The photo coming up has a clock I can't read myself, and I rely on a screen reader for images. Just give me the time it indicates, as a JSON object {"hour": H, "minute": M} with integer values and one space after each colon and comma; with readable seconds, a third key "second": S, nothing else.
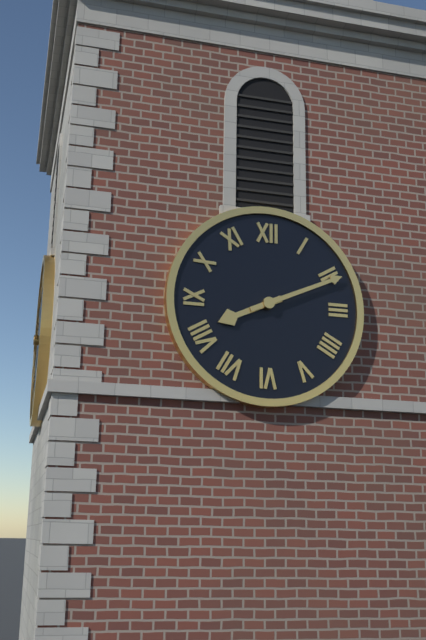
{"hour": 8, "minute": 11}
